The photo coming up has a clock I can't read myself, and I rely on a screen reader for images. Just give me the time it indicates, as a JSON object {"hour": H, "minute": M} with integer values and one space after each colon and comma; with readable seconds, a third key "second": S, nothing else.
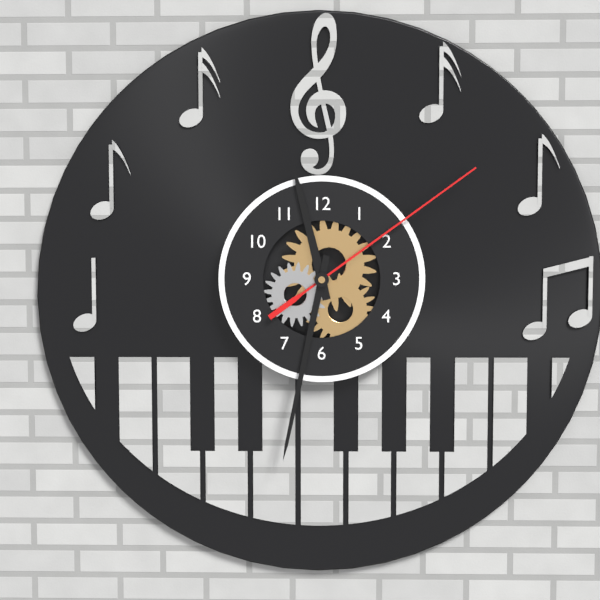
{"hour": 11, "minute": 32, "second": 9}
